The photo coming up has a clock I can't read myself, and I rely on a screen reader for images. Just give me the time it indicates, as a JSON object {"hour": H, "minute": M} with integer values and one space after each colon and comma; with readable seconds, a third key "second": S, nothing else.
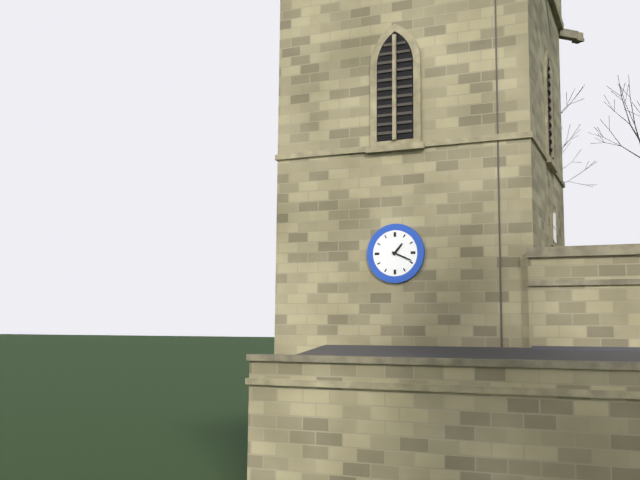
{"hour": 1, "minute": 19}
